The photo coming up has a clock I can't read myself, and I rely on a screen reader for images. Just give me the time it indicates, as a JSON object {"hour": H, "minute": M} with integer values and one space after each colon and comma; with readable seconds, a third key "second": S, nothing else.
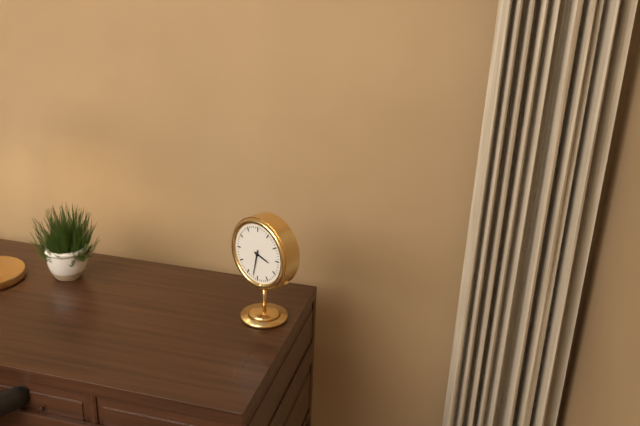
{"hour": 3, "minute": 32}
